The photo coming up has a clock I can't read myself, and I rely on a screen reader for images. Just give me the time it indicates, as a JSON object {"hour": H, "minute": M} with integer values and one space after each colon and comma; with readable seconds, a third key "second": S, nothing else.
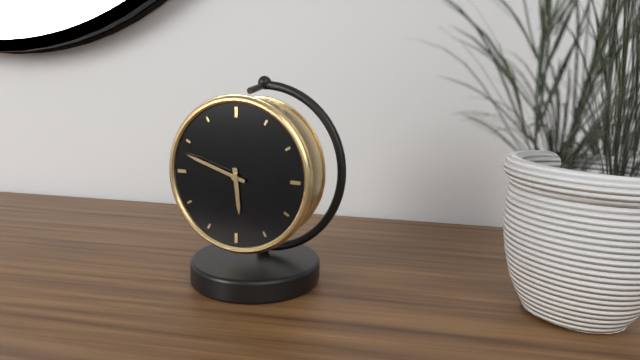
{"hour": 5, "minute": 48}
